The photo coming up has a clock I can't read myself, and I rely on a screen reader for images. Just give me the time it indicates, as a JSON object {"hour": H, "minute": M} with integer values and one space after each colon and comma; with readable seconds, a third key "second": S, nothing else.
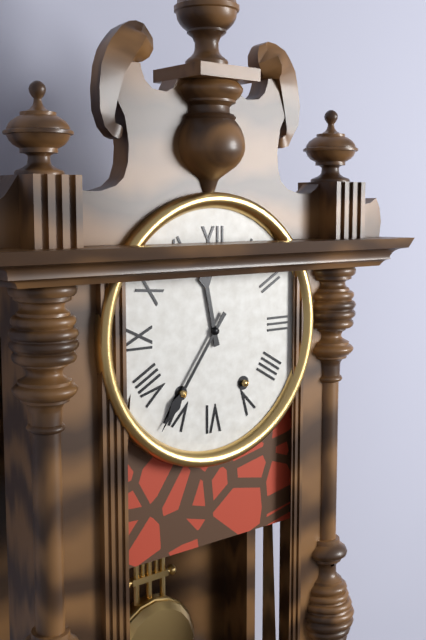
{"hour": 11, "minute": 36}
